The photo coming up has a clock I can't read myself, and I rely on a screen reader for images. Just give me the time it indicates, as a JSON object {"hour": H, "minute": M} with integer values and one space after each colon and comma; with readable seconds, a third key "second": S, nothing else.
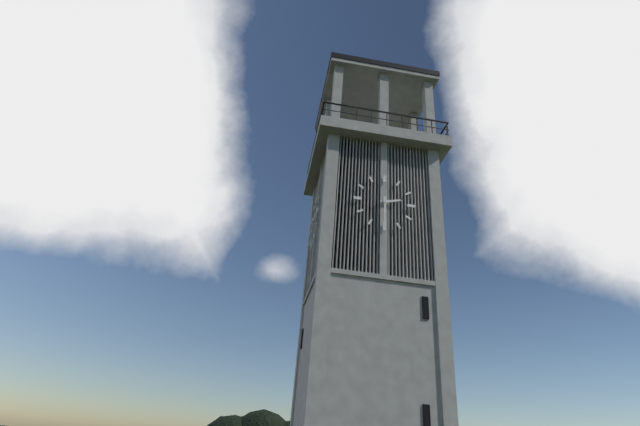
{"hour": 2, "minute": 30}
